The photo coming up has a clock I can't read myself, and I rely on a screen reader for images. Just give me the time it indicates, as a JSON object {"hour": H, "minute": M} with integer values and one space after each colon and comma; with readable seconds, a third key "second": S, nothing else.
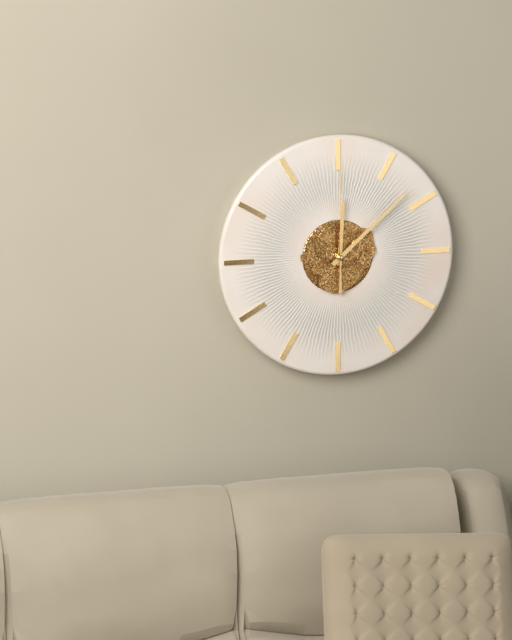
{"hour": 12, "minute": 8, "second": 0}
